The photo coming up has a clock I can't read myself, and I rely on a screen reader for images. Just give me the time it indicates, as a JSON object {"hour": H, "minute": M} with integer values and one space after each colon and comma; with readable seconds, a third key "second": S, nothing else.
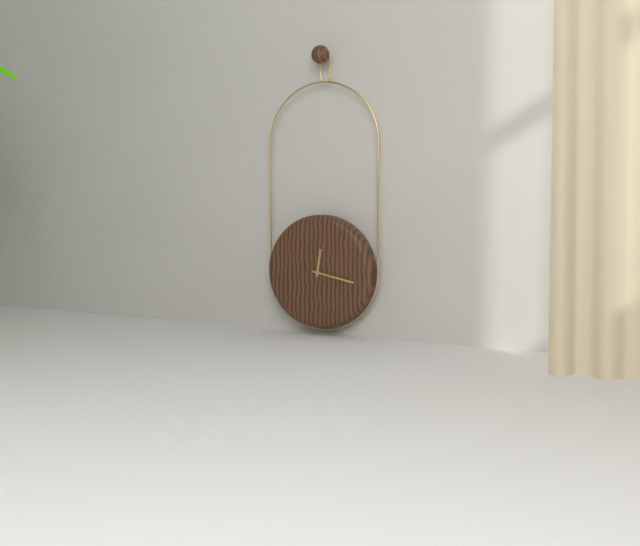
{"hour": 12, "minute": 17}
